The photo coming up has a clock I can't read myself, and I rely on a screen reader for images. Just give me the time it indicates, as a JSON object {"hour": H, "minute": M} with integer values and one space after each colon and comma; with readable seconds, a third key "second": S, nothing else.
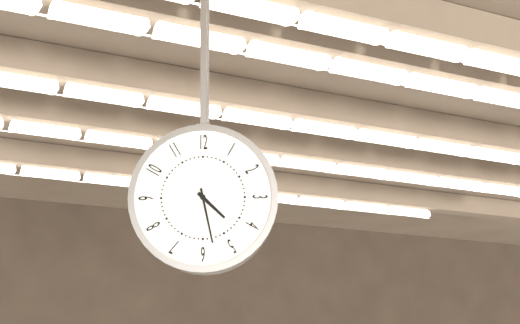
{"hour": 4, "minute": 28}
